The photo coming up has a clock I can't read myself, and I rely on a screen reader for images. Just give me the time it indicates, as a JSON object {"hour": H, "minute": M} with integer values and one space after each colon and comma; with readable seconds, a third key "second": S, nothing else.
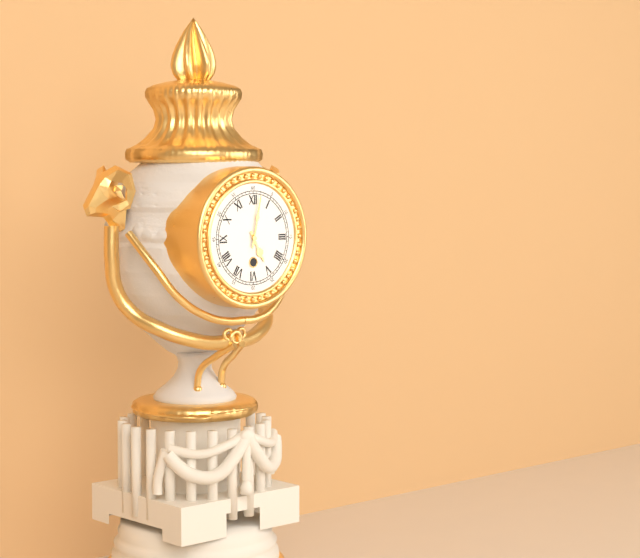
{"hour": 5, "minute": 2}
